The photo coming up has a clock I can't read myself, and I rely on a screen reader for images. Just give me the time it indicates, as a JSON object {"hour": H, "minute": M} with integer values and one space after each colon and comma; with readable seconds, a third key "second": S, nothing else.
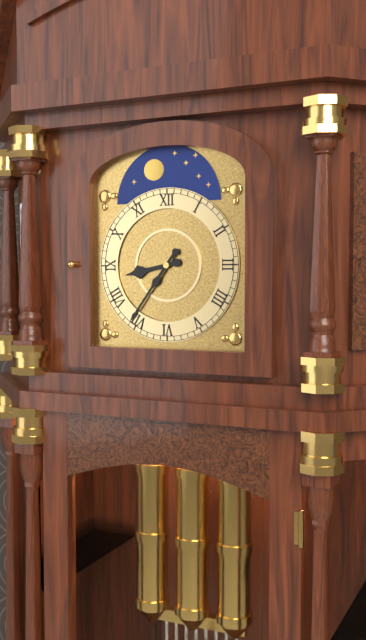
{"hour": 8, "minute": 36}
